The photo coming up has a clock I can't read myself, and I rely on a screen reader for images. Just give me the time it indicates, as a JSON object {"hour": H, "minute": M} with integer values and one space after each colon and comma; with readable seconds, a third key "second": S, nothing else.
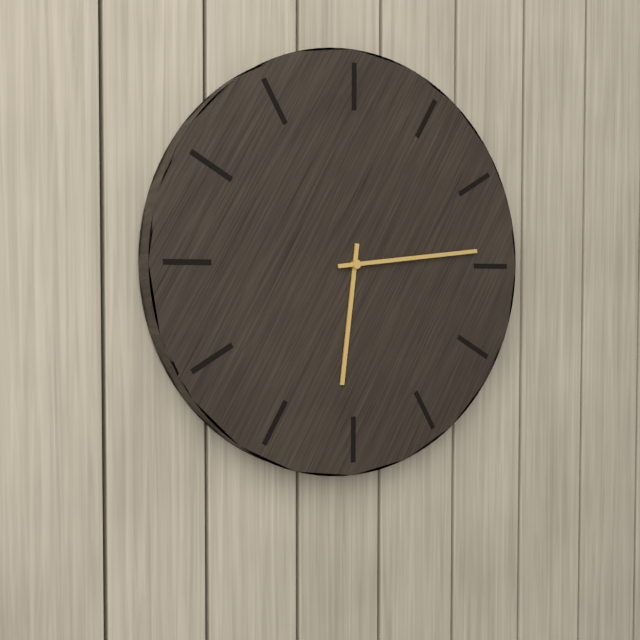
{"hour": 6, "minute": 14}
